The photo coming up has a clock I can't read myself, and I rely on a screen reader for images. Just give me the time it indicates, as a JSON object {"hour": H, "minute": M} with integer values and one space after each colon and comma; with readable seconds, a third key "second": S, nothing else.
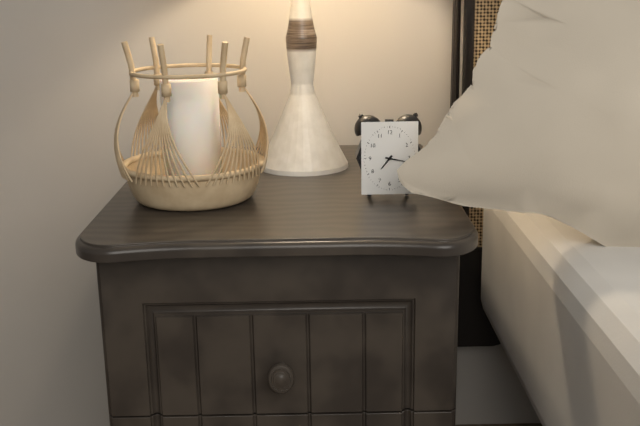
{"hour": 7, "minute": 17}
